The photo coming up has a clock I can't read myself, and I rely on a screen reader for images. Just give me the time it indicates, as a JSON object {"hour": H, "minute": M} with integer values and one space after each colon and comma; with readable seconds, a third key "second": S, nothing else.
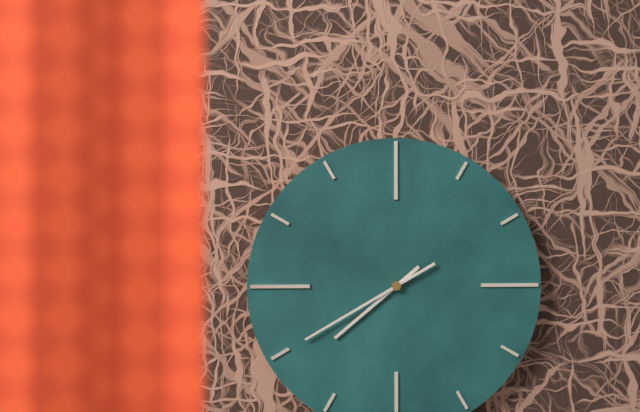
{"hour": 7, "minute": 40}
